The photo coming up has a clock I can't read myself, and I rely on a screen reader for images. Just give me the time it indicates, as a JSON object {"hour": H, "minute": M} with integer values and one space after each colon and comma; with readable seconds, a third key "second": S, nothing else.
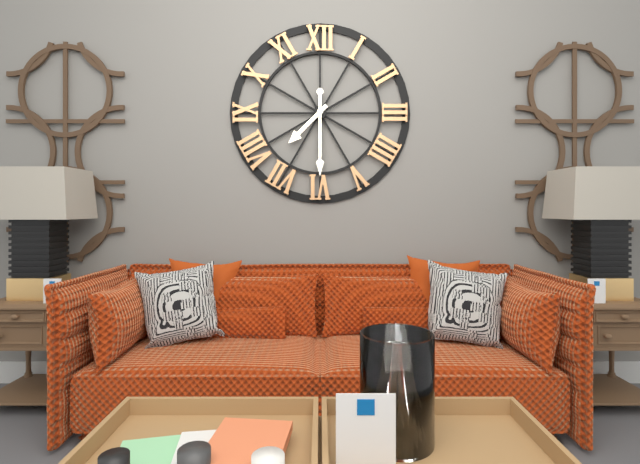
{"hour": 7, "minute": 30}
